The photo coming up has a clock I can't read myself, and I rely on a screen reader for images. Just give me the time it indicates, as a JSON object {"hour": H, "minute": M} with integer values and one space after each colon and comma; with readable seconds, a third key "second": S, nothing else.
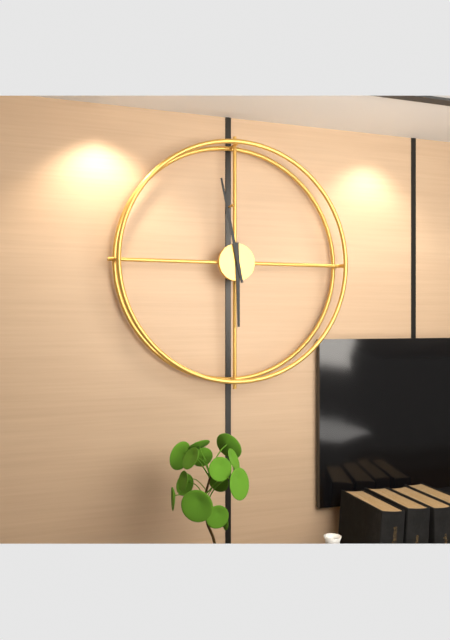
{"hour": 5, "minute": 58}
